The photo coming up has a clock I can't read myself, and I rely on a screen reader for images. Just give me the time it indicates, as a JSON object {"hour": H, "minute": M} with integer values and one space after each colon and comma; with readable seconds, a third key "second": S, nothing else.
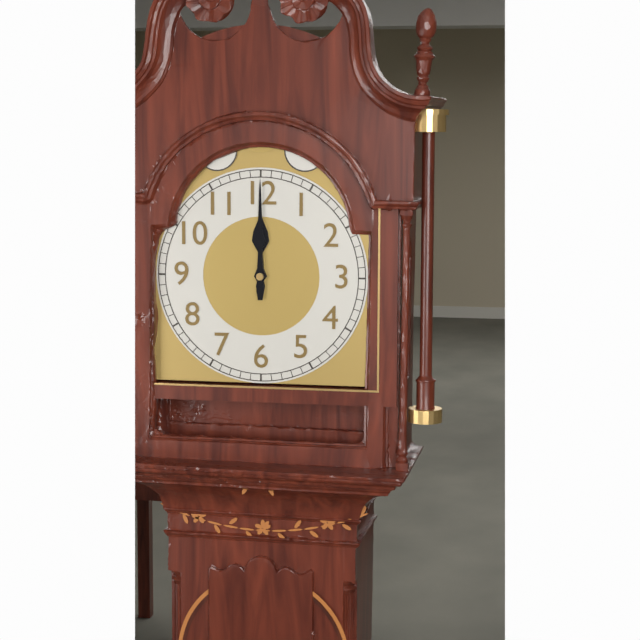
{"hour": 12, "minute": 0}
